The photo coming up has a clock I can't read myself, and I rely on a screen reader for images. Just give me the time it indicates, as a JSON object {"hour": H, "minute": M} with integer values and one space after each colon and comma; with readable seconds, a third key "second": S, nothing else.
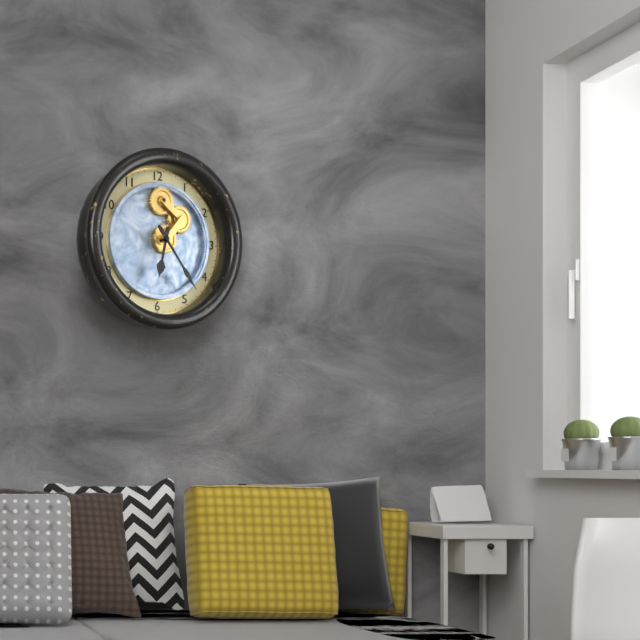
{"hour": 6, "minute": 24}
